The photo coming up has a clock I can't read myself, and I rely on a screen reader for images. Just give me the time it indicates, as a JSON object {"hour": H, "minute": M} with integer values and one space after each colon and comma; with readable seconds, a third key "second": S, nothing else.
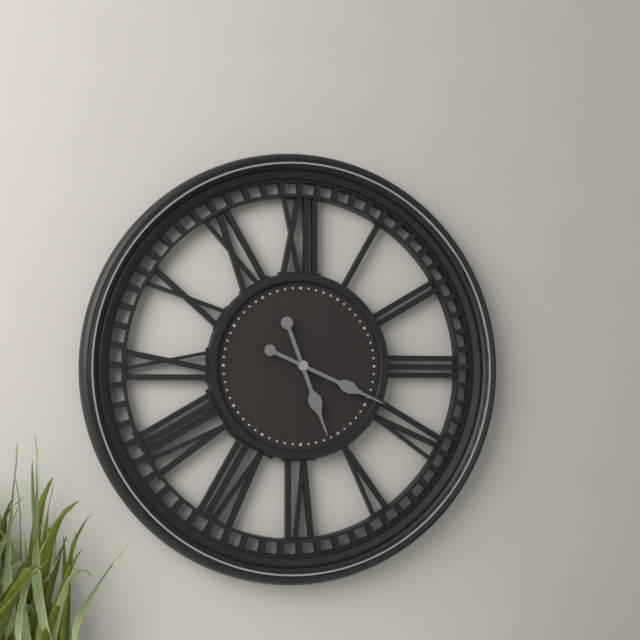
{"hour": 5, "minute": 19}
